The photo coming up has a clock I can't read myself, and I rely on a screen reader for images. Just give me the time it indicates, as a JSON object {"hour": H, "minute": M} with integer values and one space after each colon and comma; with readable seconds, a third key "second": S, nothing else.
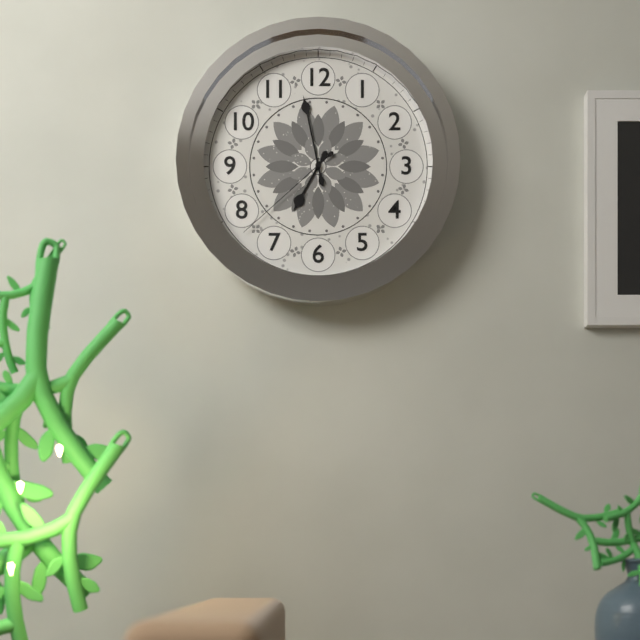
{"hour": 6, "minute": 58, "second": 38}
